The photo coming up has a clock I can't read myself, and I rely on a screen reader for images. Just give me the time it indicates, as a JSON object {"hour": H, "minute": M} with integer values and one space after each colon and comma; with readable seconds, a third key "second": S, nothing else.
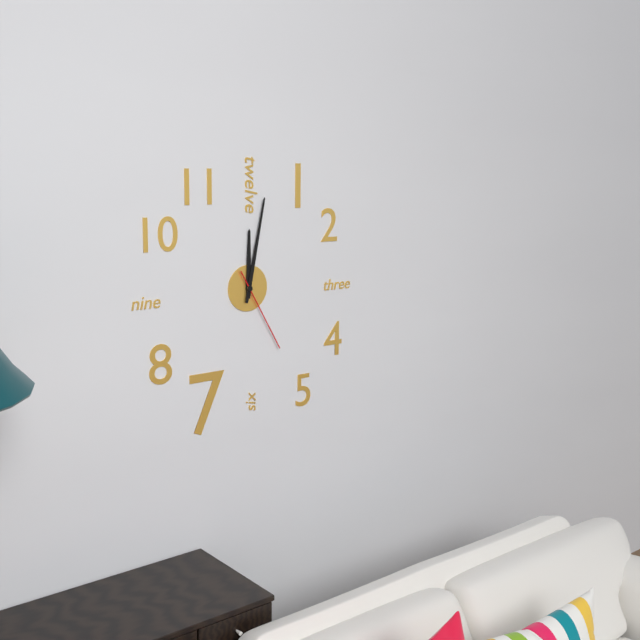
{"hour": 12, "minute": 2, "second": 25}
